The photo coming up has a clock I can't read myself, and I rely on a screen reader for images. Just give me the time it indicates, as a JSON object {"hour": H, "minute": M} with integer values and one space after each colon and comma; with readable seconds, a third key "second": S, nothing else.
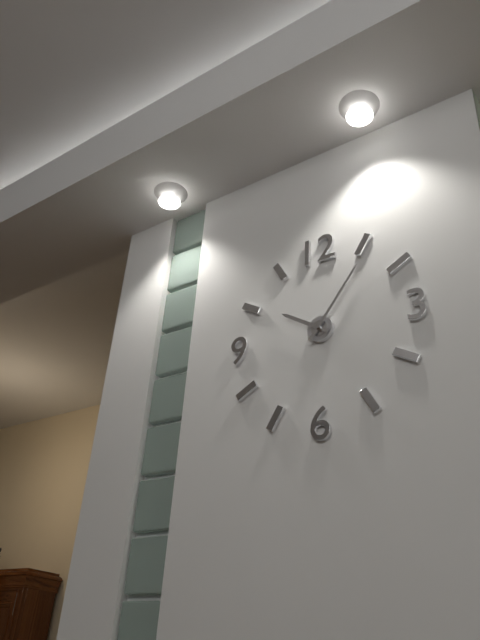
{"hour": 10, "minute": 6}
